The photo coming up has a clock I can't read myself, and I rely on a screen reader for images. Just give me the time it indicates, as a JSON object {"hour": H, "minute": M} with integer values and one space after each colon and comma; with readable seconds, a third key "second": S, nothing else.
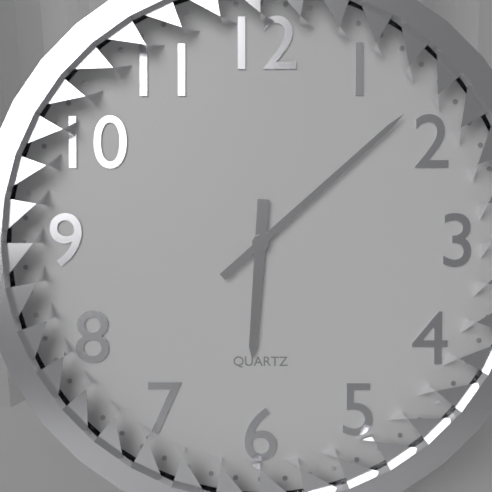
{"hour": 6, "minute": 8}
